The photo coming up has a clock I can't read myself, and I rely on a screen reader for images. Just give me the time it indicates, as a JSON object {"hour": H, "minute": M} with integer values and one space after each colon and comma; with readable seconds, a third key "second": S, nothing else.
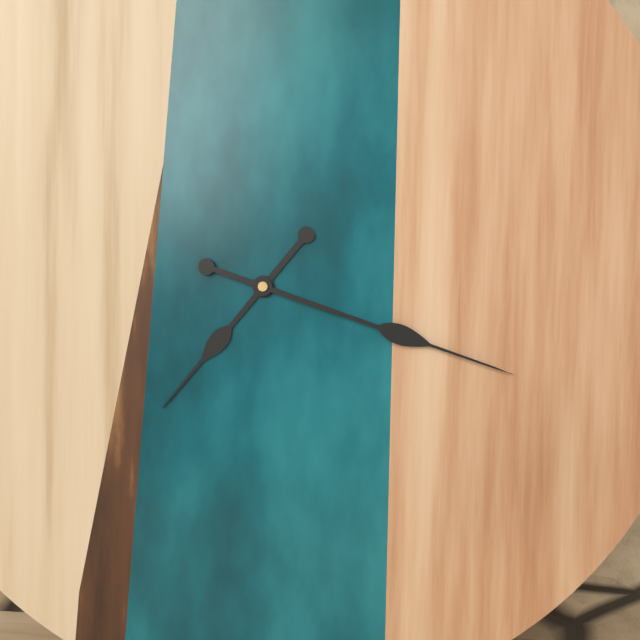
{"hour": 7, "minute": 18}
